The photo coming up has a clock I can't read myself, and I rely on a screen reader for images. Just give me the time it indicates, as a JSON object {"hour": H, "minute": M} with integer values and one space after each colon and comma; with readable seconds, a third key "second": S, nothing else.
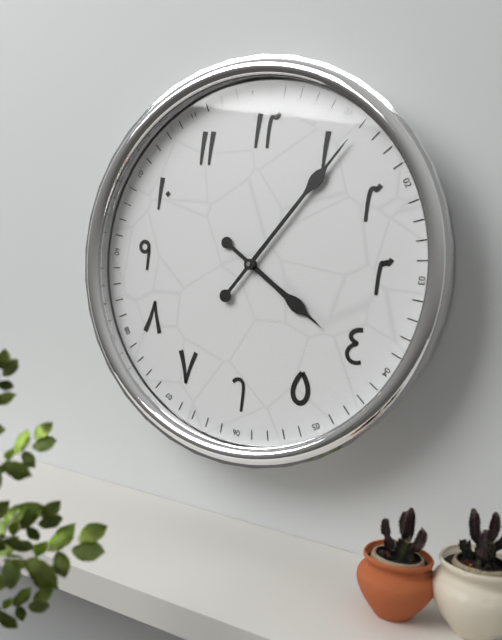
{"hour": 4, "minute": 6}
